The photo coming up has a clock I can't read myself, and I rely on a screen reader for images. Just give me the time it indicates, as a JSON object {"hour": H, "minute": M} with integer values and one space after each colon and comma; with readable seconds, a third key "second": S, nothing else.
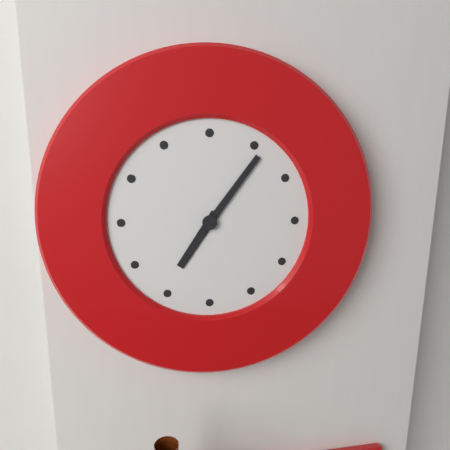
{"hour": 7, "minute": 6}
